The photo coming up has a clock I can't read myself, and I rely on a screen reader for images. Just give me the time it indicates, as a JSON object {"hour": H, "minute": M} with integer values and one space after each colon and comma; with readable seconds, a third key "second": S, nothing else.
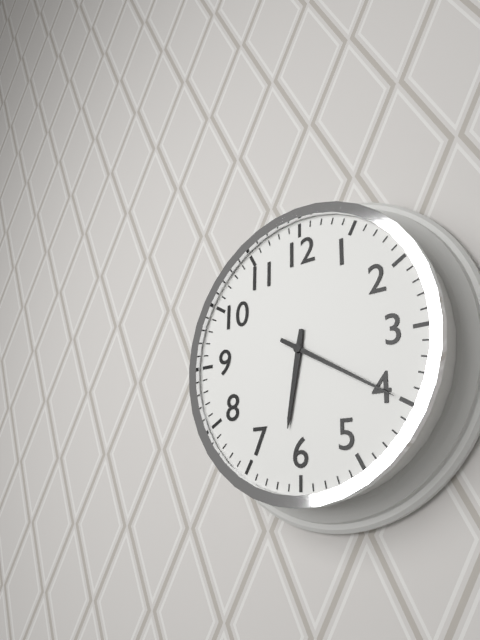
{"hour": 6, "minute": 20}
